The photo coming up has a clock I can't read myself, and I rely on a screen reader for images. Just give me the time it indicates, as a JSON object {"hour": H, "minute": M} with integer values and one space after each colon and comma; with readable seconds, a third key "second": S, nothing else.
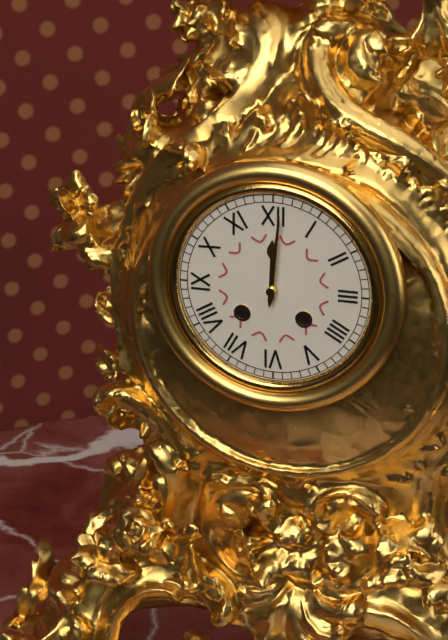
{"hour": 12, "minute": 1}
